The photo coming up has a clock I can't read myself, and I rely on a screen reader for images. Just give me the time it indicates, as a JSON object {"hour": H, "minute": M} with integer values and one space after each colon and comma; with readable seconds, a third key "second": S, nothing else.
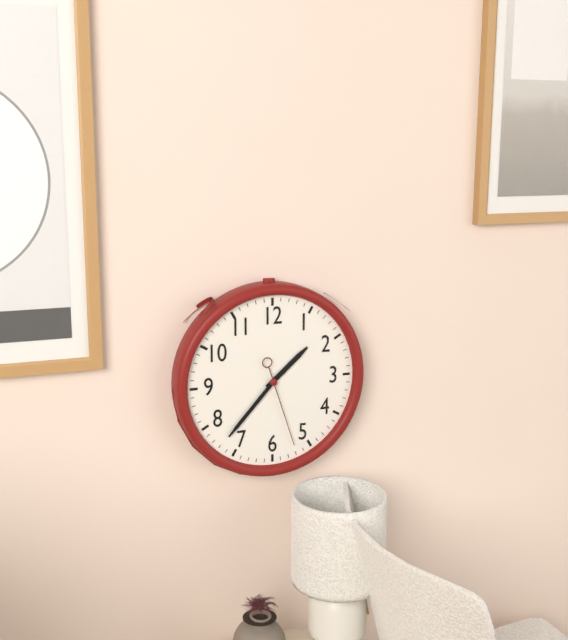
{"hour": 1, "minute": 37, "second": 27}
